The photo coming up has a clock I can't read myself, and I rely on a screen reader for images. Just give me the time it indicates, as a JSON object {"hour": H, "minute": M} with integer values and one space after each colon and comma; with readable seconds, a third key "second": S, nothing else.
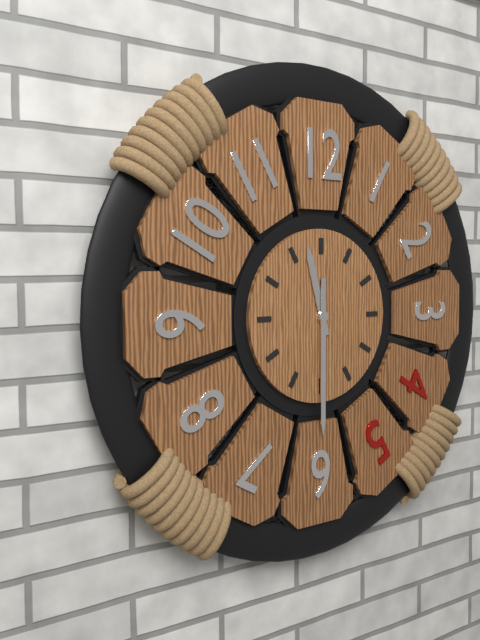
{"hour": 11, "minute": 30}
